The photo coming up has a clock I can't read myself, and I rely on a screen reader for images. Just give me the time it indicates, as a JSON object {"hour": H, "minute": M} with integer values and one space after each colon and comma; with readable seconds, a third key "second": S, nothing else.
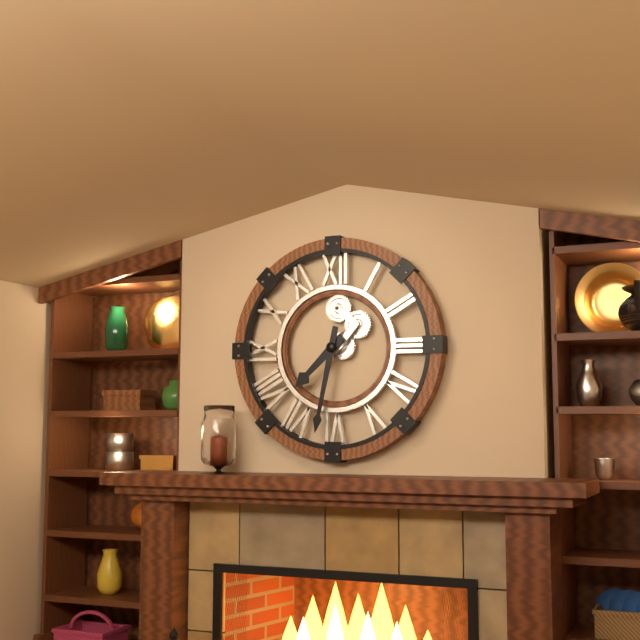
{"hour": 7, "minute": 32}
